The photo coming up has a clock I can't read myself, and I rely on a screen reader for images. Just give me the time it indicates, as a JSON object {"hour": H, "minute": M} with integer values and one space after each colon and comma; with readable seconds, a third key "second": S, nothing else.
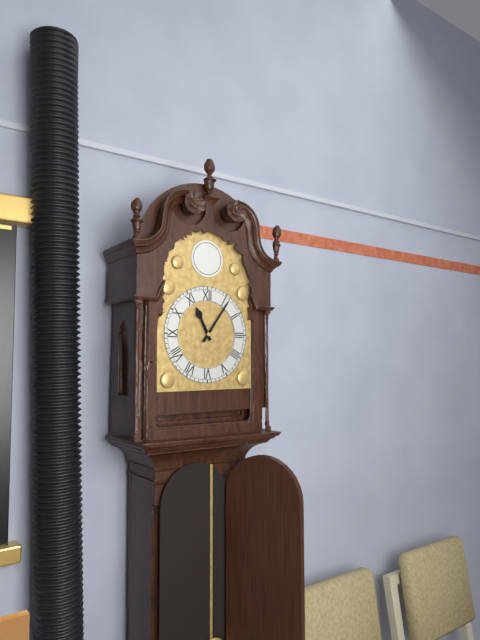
{"hour": 11, "minute": 6}
